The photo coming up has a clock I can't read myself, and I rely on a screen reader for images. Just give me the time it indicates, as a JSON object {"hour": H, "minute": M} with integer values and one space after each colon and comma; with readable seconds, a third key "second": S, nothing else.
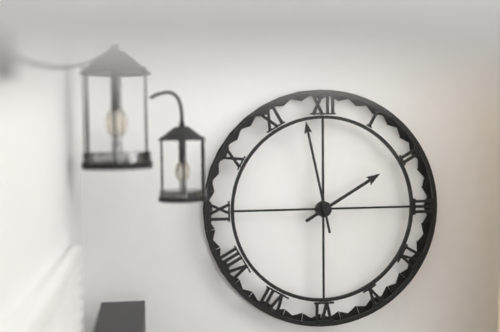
{"hour": 1, "minute": 58}
